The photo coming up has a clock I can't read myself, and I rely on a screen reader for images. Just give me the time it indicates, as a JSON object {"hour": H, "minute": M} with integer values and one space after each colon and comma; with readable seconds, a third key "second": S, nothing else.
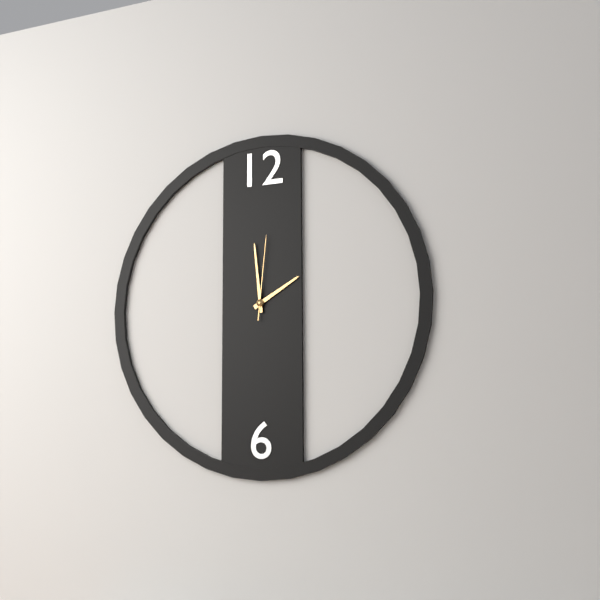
{"hour": 1, "minute": 59, "second": 1}
